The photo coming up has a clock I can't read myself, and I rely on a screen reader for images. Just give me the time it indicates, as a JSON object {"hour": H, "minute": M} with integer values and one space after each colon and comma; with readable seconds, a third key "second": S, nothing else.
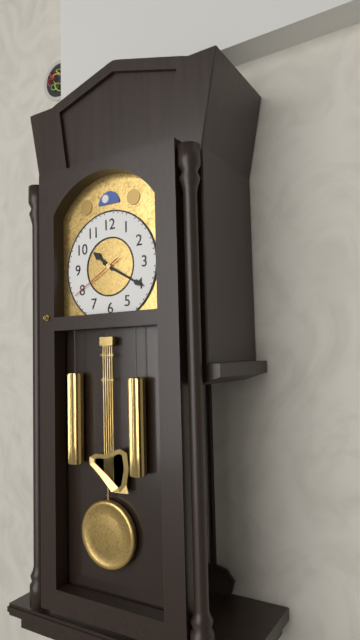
{"hour": 10, "minute": 20, "second": 40}
